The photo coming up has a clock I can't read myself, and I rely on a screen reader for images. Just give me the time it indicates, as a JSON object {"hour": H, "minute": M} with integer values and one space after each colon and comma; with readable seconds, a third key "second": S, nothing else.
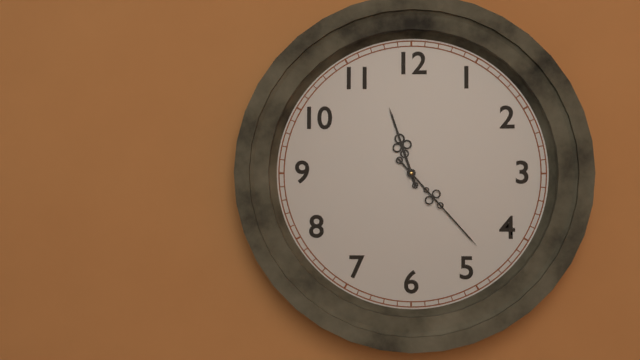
{"hour": 11, "minute": 23}
